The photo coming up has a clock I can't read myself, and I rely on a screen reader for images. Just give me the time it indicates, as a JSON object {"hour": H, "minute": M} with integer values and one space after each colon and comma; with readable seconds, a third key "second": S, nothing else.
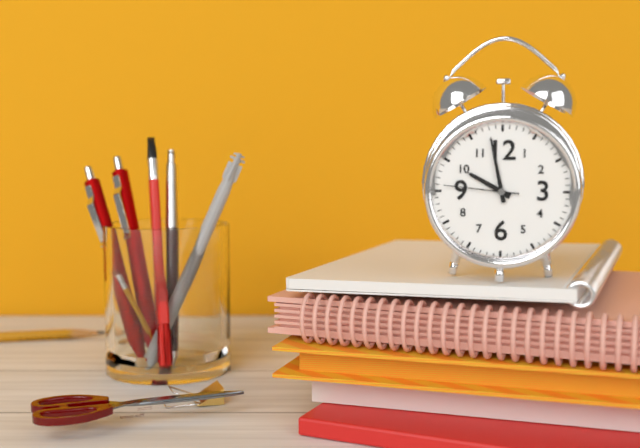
{"hour": 9, "minute": 58, "second": 46}
